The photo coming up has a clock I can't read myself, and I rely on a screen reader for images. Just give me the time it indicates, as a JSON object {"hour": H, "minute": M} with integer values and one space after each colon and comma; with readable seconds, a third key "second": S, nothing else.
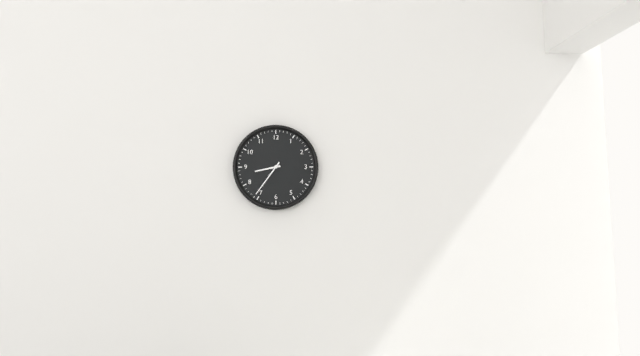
{"hour": 8, "minute": 36}
